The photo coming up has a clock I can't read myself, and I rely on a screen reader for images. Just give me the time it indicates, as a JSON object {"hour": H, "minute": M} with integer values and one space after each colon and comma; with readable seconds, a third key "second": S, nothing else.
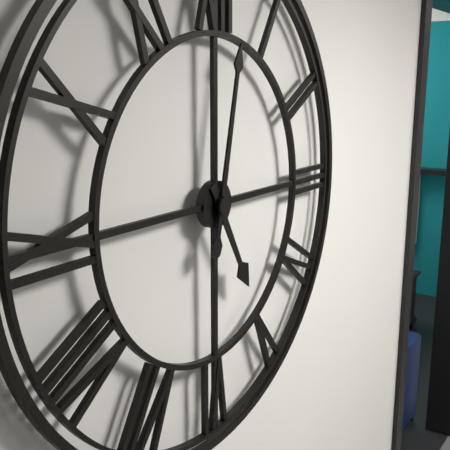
{"hour": 5, "minute": 2}
